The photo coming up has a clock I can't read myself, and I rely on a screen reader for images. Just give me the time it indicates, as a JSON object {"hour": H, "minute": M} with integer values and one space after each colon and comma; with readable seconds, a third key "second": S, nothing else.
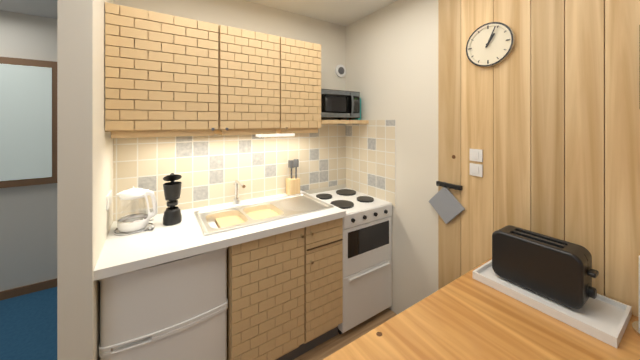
{"hour": 1, "minute": 4}
